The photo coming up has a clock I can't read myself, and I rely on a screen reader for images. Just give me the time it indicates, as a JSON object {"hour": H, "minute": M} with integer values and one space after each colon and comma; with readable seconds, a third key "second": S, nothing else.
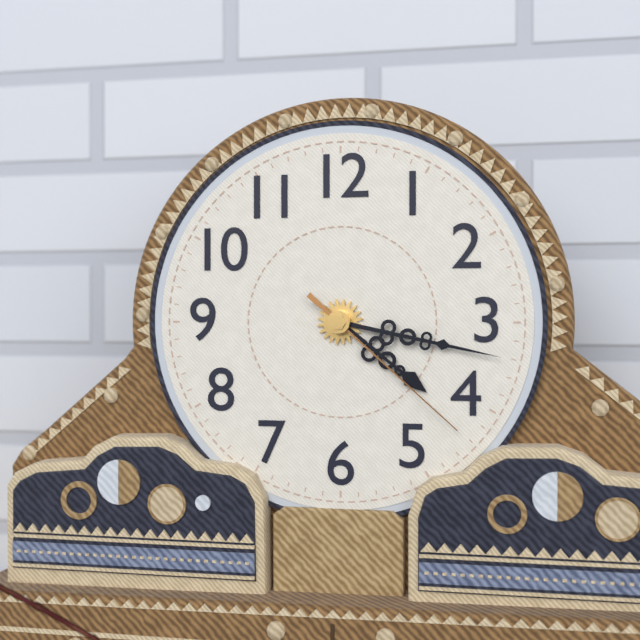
{"hour": 4, "minute": 17, "second": 22}
